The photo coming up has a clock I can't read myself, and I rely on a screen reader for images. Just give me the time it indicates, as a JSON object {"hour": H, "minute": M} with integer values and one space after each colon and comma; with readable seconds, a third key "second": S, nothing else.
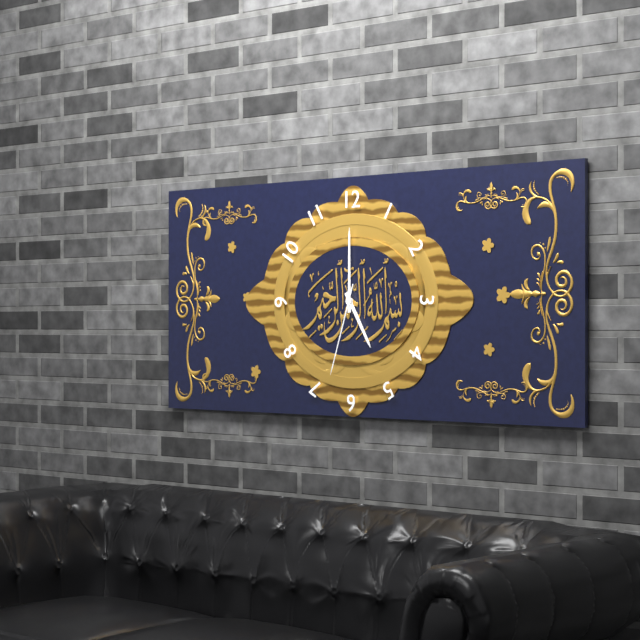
{"hour": 5, "minute": 0, "second": 33}
